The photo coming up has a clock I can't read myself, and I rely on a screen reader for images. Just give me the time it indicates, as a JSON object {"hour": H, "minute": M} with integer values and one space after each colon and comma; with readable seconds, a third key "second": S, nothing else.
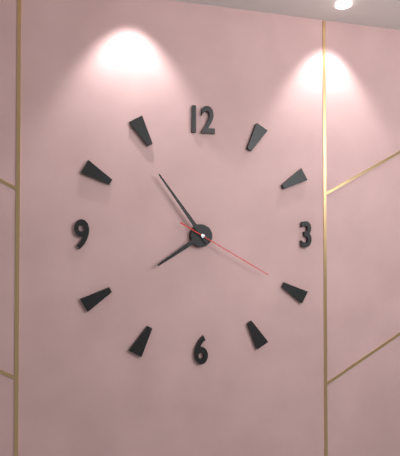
{"hour": 7, "minute": 54, "second": 20}
